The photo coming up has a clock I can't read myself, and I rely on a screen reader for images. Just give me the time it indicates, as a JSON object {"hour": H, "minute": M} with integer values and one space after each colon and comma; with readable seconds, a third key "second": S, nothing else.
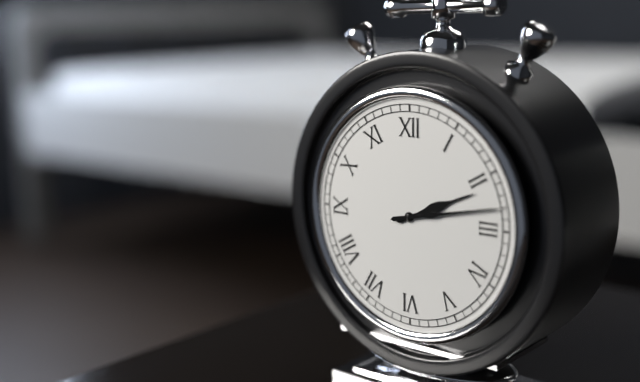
{"hour": 2, "minute": 13}
